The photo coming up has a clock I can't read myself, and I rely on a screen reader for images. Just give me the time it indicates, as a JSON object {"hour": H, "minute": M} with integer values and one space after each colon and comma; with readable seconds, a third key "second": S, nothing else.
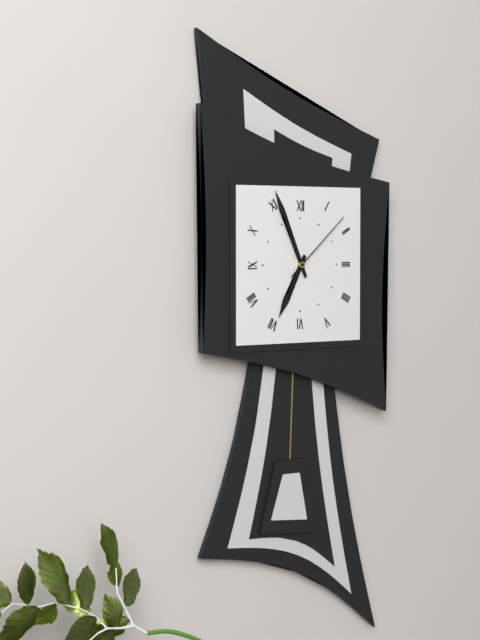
{"hour": 6, "minute": 56, "second": 8}
